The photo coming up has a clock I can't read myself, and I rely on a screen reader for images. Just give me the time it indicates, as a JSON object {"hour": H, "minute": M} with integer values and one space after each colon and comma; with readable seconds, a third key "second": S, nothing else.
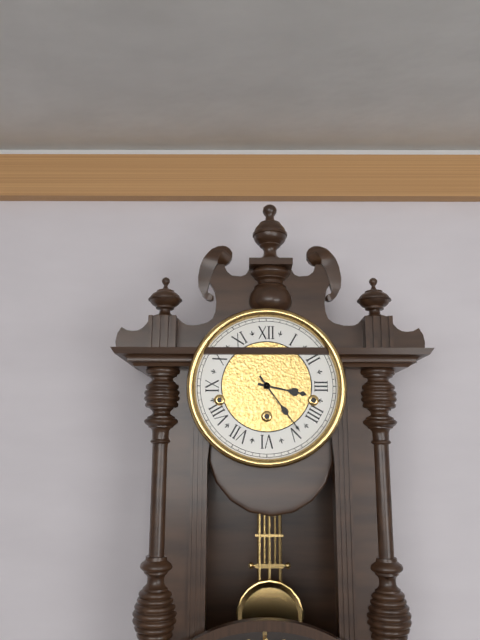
{"hour": 3, "minute": 24}
